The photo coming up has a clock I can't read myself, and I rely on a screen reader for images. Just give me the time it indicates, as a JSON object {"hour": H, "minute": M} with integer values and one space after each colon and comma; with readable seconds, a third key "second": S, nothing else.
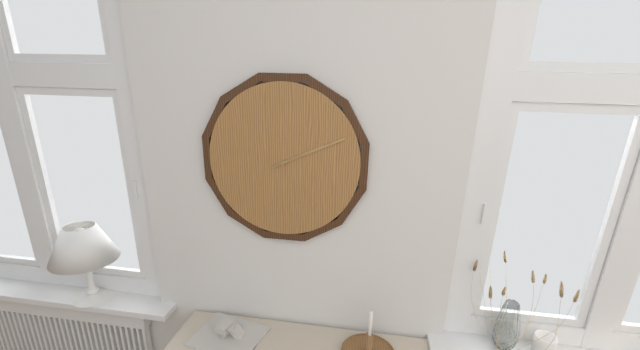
{"hour": 2, "minute": 11}
